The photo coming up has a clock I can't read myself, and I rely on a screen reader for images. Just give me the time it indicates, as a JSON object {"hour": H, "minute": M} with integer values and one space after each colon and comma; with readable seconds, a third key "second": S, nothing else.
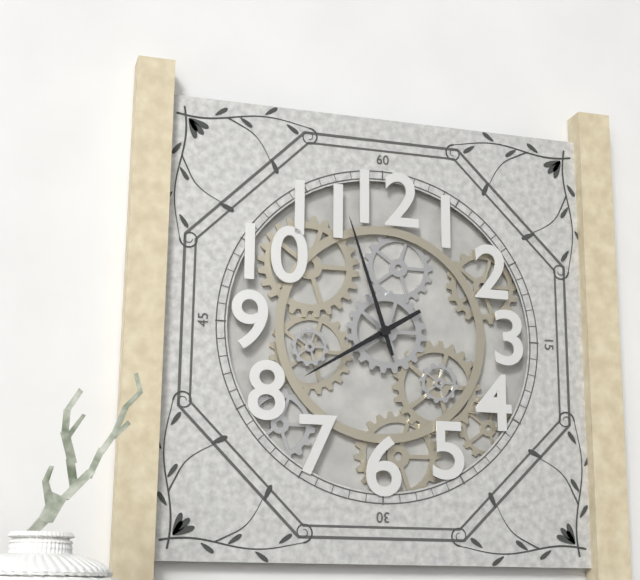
{"hour": 7, "minute": 57}
